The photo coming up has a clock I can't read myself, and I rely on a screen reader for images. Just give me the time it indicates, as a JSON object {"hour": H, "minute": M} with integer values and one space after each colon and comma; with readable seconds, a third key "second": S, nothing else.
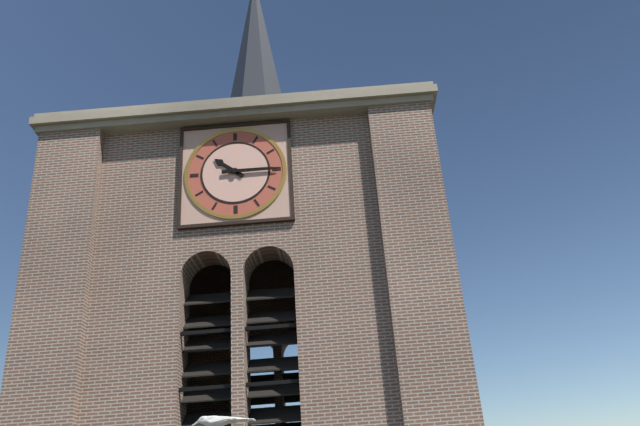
{"hour": 10, "minute": 15}
